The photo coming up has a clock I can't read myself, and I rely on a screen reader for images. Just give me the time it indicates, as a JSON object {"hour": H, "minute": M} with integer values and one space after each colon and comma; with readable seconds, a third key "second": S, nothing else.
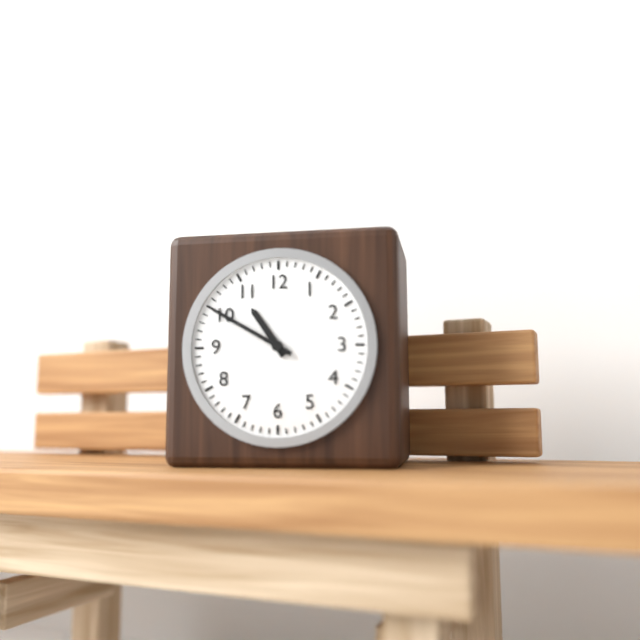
{"hour": 10, "minute": 50}
